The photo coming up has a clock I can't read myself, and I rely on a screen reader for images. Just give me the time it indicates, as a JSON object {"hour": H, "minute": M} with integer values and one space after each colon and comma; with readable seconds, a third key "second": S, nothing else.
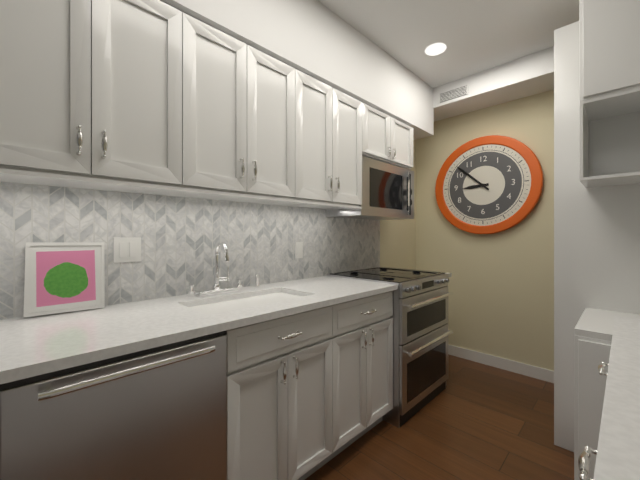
{"hour": 8, "minute": 52}
